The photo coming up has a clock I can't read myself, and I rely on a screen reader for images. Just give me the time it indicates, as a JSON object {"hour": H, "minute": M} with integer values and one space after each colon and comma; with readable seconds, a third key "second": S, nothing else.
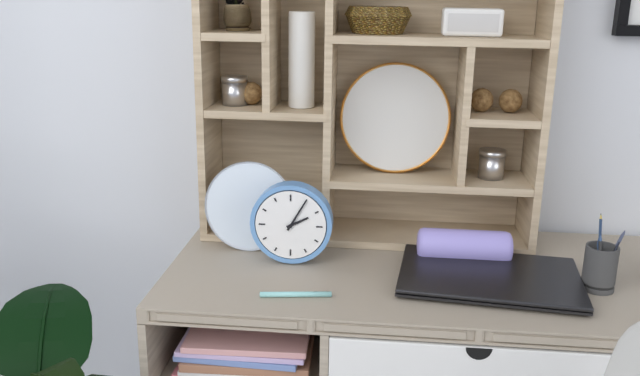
{"hour": 2, "minute": 5}
